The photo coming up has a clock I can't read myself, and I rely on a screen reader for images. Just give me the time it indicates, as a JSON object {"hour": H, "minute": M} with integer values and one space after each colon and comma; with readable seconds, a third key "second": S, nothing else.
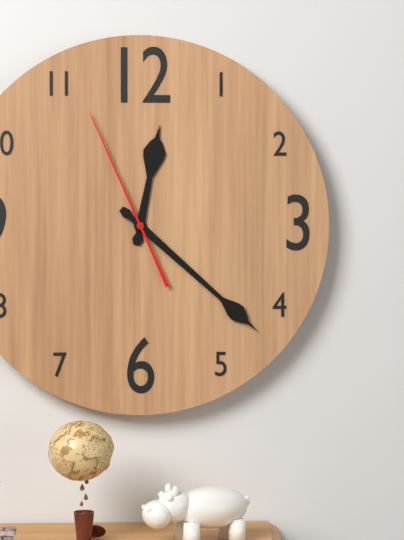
{"hour": 12, "minute": 22, "second": 56}
